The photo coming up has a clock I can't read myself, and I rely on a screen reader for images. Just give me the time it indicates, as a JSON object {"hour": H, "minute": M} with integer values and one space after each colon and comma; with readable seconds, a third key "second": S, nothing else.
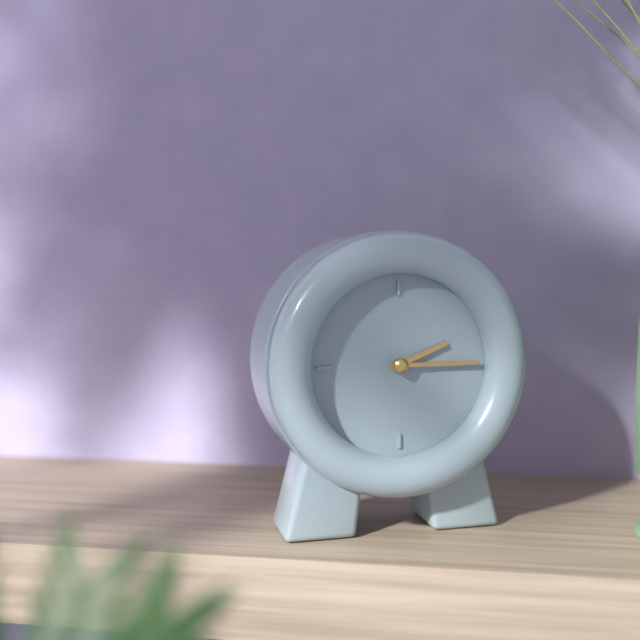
{"hour": 2, "minute": 15}
